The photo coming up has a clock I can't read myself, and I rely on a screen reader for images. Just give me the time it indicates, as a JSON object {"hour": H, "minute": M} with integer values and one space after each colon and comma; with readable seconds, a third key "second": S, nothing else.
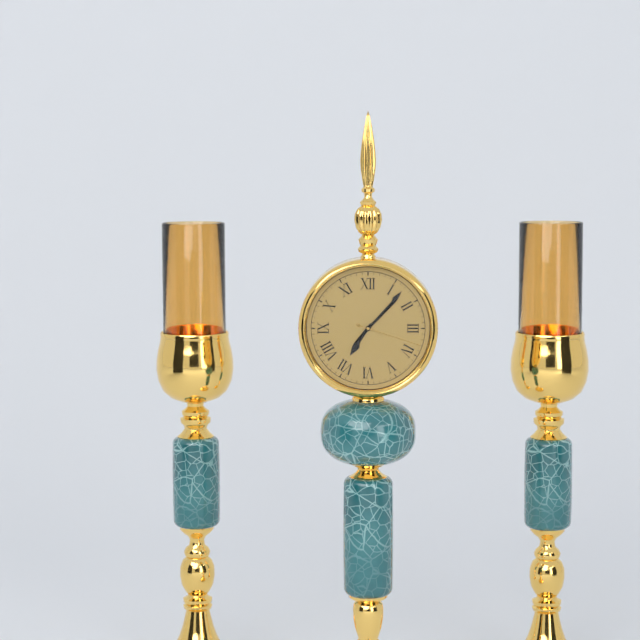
{"hour": 7, "minute": 7, "second": 18}
